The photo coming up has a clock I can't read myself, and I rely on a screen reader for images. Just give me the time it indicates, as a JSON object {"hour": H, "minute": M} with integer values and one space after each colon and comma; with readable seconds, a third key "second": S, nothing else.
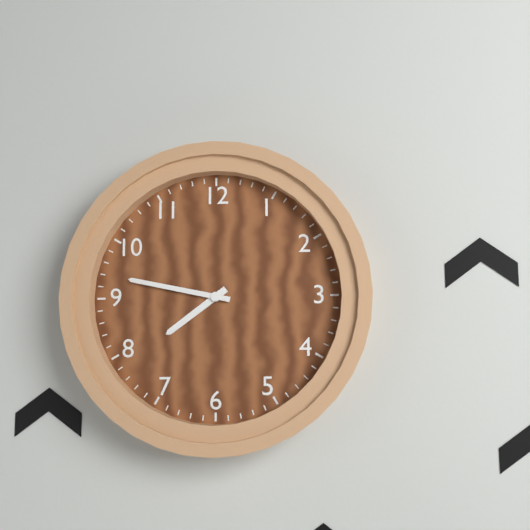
{"hour": 7, "minute": 47}
